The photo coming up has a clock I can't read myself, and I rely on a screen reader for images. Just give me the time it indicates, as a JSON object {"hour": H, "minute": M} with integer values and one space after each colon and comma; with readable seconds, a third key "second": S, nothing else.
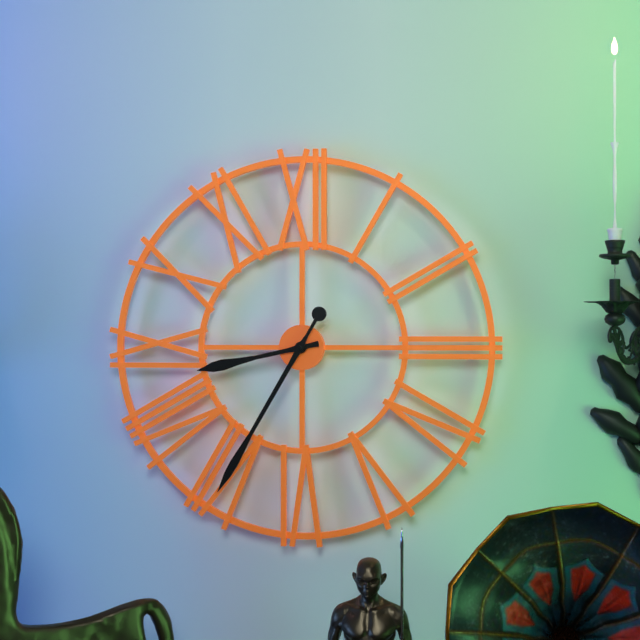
{"hour": 8, "minute": 35}
